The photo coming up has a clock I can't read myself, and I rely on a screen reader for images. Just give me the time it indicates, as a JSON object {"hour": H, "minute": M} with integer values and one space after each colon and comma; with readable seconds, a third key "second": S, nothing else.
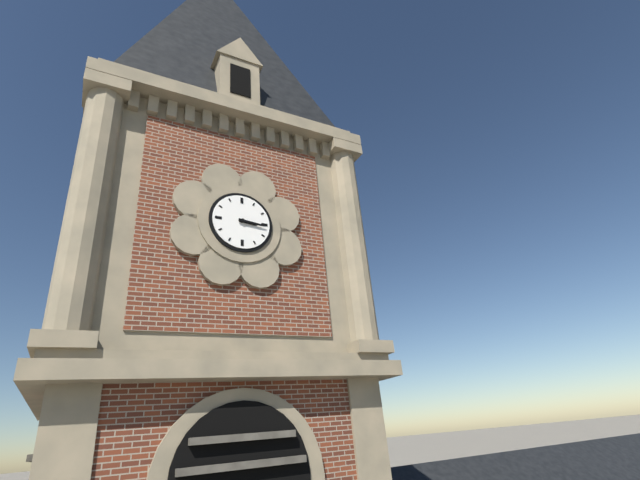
{"hour": 3, "minute": 16}
